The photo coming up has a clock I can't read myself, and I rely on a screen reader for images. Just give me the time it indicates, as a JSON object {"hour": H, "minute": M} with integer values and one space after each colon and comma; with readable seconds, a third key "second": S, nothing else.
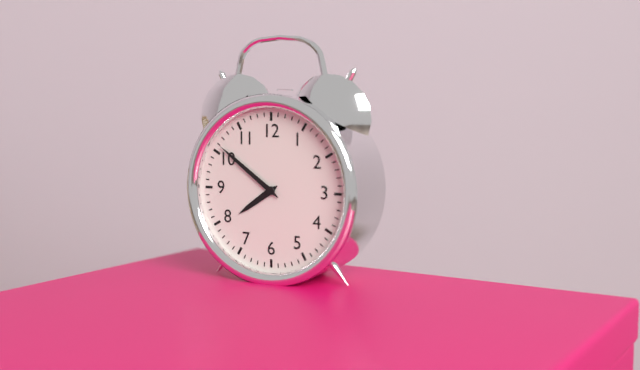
{"hour": 7, "minute": 51}
